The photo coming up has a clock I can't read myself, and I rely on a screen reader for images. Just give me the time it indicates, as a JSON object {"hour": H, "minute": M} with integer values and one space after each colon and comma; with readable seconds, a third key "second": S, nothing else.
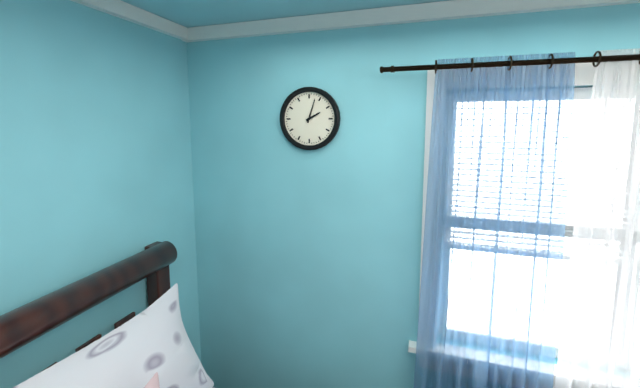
{"hour": 2, "minute": 3}
